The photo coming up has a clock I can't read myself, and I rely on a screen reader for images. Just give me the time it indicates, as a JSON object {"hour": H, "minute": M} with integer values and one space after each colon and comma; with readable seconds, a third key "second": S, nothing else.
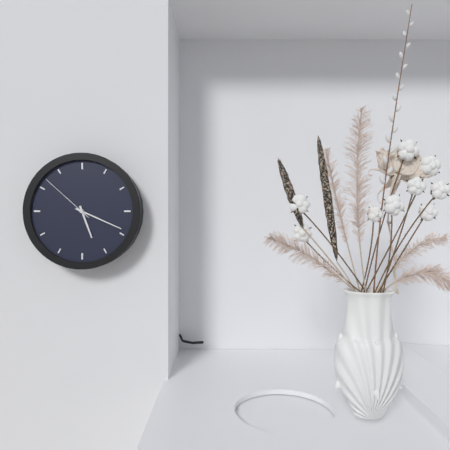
{"hour": 5, "minute": 19, "second": 52}
